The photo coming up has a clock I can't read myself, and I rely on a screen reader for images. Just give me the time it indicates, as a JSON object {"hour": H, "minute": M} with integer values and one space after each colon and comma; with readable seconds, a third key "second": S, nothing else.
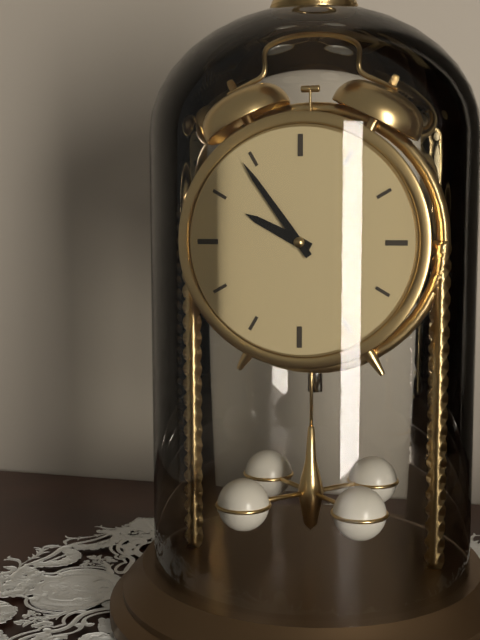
{"hour": 9, "minute": 54}
